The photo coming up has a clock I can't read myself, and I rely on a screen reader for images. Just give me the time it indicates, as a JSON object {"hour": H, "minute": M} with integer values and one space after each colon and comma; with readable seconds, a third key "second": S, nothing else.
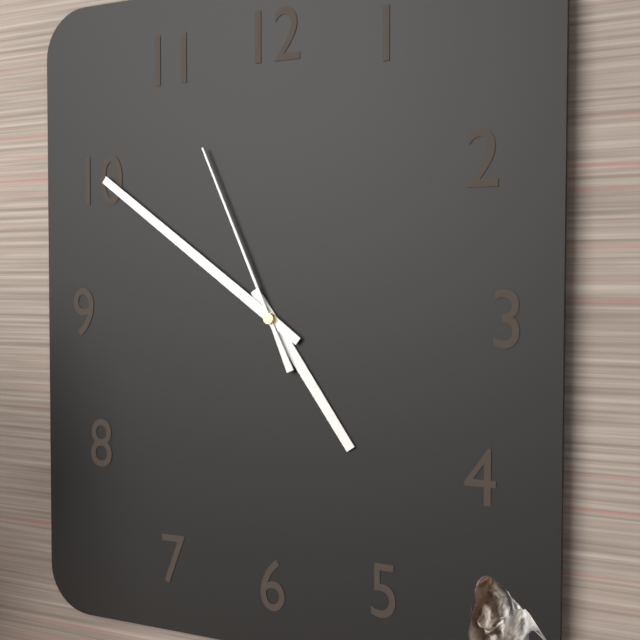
{"hour": 4, "minute": 51, "second": 56}
